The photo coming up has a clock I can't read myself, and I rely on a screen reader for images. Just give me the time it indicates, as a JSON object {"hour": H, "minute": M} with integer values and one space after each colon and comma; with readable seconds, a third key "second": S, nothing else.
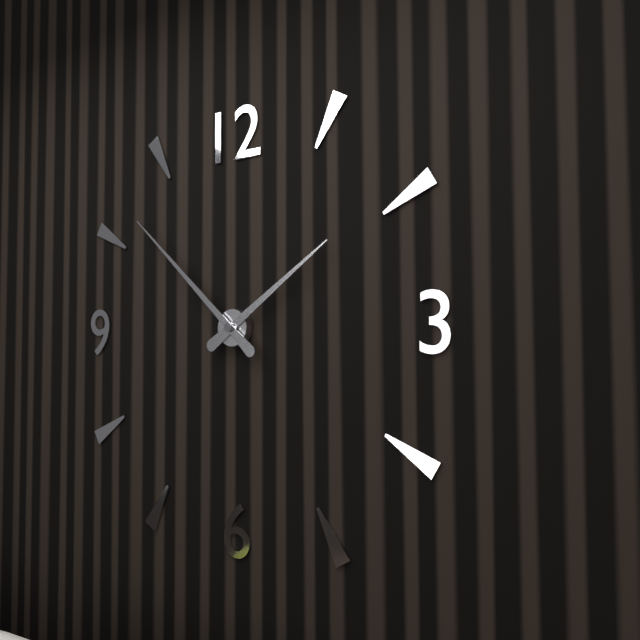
{"hour": 1, "minute": 52}
